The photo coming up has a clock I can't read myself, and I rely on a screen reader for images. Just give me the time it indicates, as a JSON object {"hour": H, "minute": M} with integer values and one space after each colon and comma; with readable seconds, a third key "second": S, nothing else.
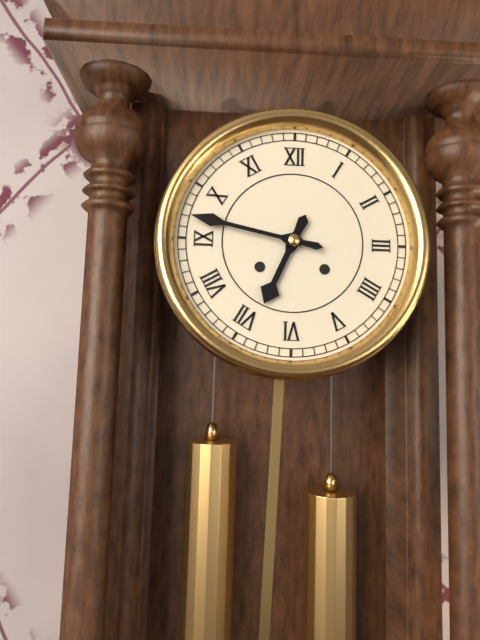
{"hour": 6, "minute": 47}
